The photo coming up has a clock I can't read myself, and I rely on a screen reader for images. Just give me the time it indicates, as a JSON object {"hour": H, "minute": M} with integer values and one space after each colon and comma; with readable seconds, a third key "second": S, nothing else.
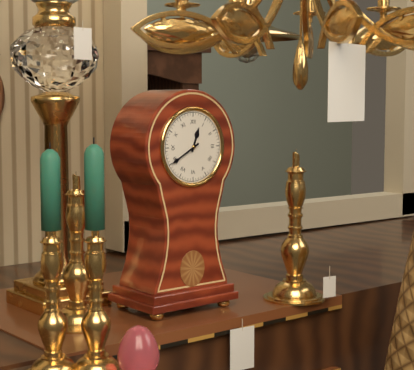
{"hour": 12, "minute": 40}
